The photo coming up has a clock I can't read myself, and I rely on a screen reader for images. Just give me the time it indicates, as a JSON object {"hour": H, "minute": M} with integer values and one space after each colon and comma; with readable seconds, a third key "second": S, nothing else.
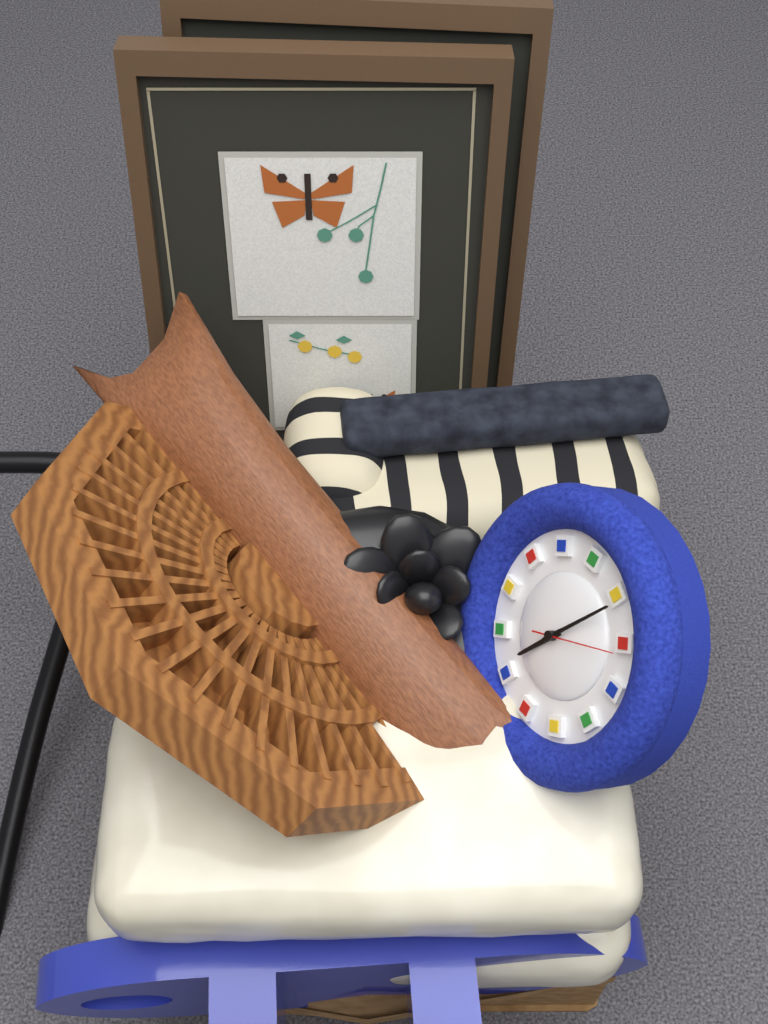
{"hour": 8, "minute": 11, "second": 16}
